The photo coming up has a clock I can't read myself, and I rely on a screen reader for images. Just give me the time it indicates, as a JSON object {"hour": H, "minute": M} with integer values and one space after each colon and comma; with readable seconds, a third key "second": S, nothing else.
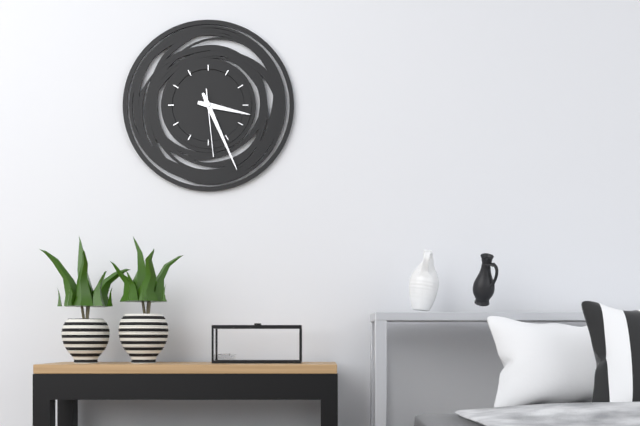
{"hour": 3, "minute": 26, "second": 29}
